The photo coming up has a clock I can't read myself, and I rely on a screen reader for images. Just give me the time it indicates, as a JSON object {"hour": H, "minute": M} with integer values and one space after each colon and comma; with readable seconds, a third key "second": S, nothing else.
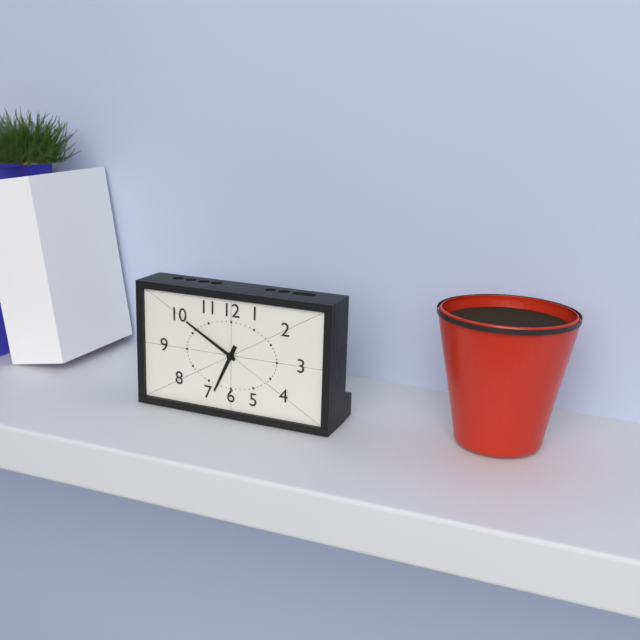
{"hour": 6, "minute": 50}
